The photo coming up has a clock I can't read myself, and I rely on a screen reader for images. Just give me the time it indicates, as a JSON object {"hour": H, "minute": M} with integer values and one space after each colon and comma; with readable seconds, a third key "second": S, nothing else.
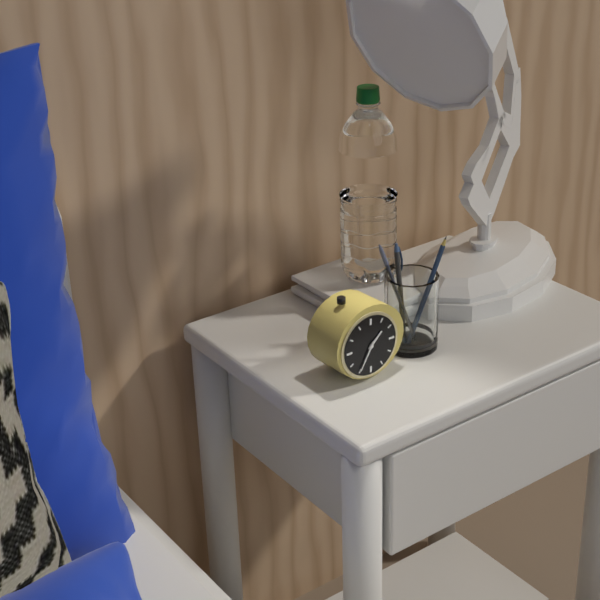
{"hour": 1, "minute": 35}
